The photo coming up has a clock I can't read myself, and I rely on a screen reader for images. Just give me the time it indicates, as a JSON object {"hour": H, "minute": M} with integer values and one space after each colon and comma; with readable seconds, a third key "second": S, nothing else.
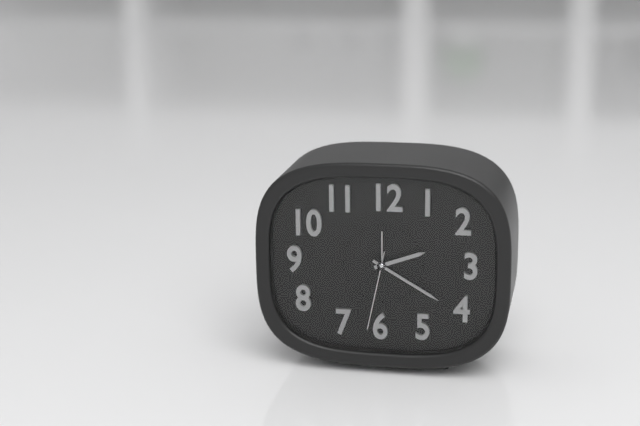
{"hour": 2, "minute": 20, "second": 32}
